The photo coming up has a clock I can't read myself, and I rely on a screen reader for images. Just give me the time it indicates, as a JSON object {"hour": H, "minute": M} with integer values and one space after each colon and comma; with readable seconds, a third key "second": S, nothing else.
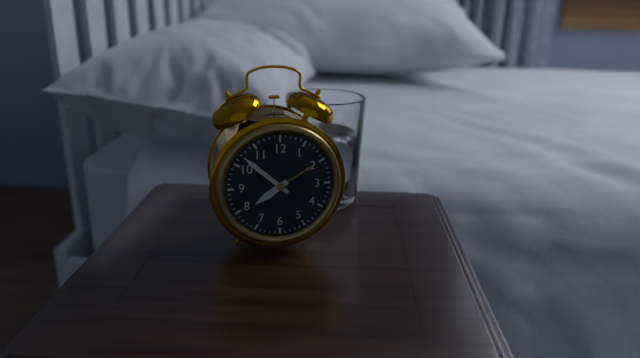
{"hour": 7, "minute": 52}
